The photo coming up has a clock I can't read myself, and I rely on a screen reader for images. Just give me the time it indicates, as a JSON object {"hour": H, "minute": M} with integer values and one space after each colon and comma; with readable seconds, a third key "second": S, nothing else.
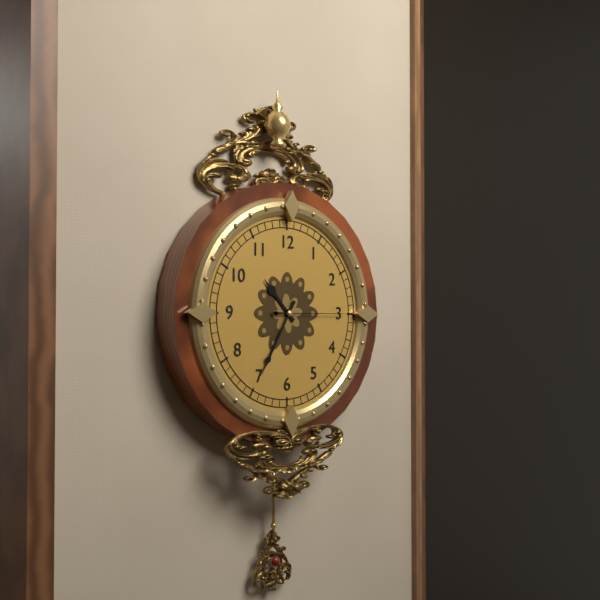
{"hour": 10, "minute": 35, "second": 15}
